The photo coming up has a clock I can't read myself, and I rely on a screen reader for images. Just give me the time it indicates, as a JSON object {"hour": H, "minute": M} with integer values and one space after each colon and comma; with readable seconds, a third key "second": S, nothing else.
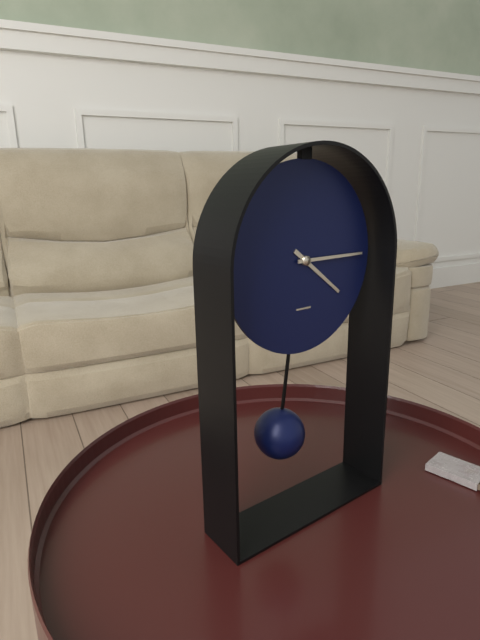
{"hour": 4, "minute": 15}
